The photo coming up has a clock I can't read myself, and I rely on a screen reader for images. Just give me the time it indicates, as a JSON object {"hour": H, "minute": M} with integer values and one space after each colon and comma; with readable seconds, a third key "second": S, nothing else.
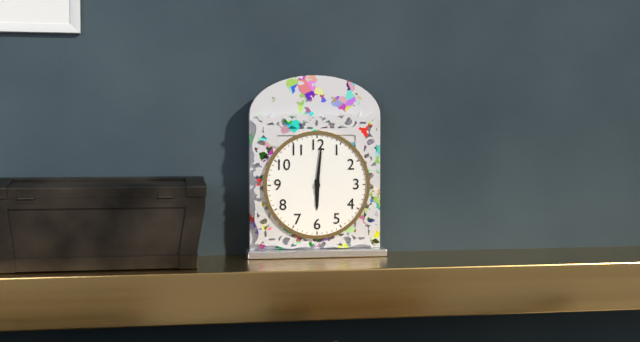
{"hour": 6, "minute": 1}
